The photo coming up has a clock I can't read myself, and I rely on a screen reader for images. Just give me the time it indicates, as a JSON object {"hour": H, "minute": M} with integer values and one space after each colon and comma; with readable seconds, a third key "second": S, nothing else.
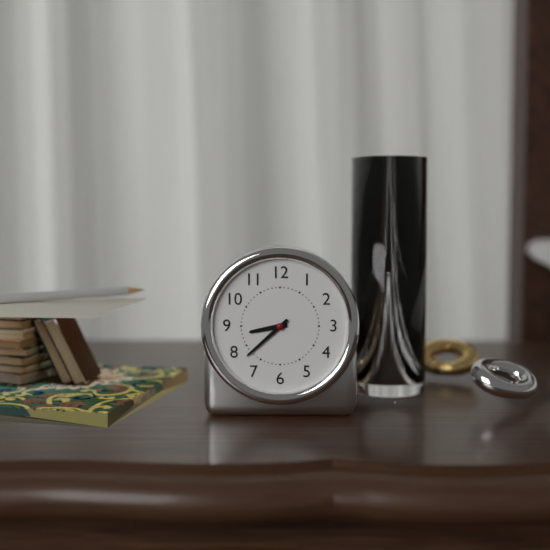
{"hour": 8, "minute": 38}
